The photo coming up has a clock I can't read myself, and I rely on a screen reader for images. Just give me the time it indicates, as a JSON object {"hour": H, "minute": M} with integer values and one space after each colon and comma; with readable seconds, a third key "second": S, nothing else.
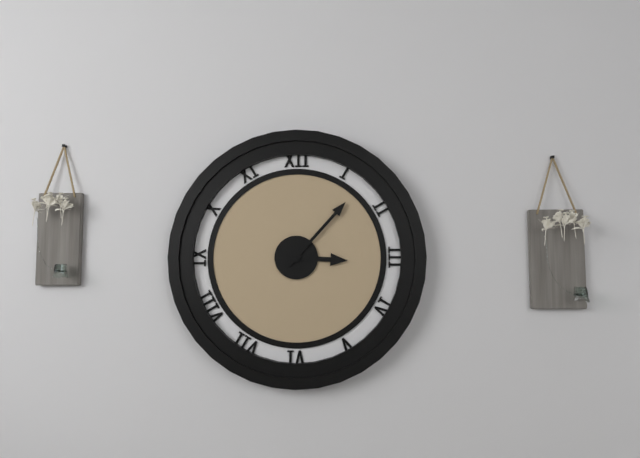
{"hour": 3, "minute": 7}
